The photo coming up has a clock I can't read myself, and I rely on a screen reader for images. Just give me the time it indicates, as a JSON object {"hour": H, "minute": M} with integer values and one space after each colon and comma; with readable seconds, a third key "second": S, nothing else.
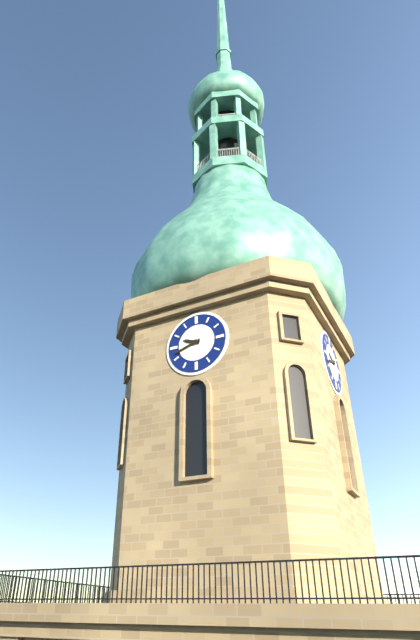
{"hour": 9, "minute": 42}
